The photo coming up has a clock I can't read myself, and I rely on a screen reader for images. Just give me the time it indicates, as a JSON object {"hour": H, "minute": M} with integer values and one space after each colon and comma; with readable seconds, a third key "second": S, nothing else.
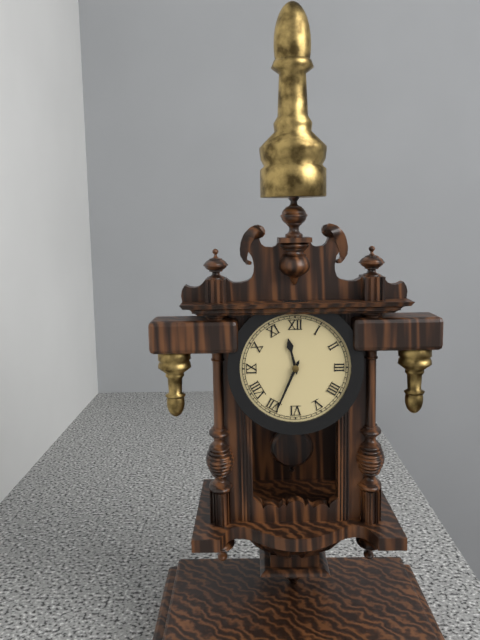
{"hour": 11, "minute": 34}
